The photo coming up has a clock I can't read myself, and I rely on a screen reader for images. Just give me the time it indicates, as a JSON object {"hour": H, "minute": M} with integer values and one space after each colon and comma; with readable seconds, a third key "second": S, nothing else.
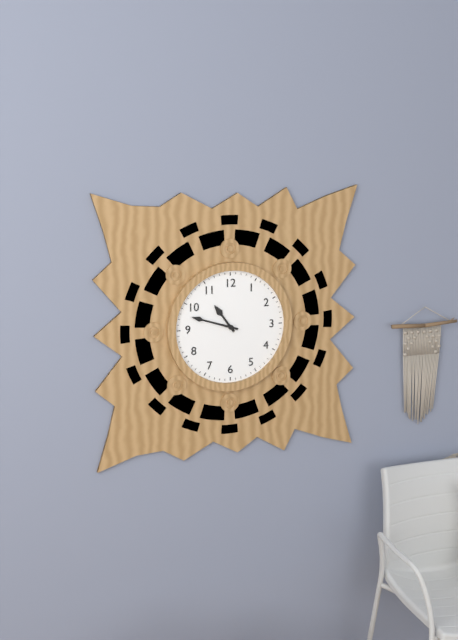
{"hour": 10, "minute": 48}
